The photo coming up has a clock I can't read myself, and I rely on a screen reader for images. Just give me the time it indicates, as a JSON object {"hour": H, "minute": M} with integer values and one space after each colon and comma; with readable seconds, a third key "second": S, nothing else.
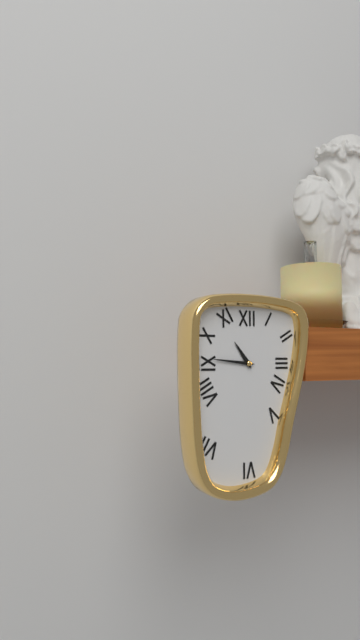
{"hour": 10, "minute": 46}
